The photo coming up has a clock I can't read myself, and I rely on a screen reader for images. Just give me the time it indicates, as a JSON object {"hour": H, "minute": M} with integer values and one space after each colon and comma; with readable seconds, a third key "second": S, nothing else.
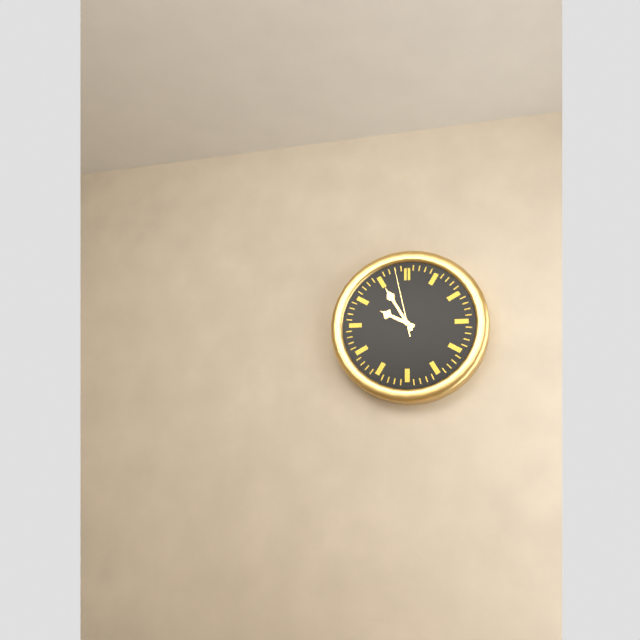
{"hour": 9, "minute": 55, "second": 58}
